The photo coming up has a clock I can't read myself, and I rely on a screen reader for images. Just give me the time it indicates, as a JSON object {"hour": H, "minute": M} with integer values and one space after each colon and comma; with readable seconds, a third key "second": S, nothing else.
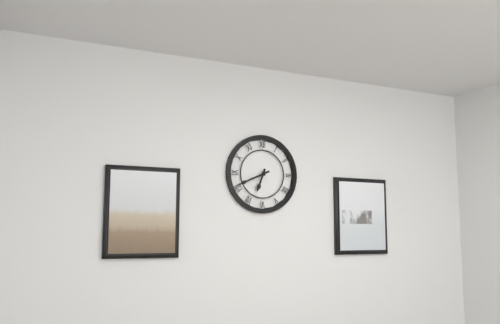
{"hour": 6, "minute": 41}
